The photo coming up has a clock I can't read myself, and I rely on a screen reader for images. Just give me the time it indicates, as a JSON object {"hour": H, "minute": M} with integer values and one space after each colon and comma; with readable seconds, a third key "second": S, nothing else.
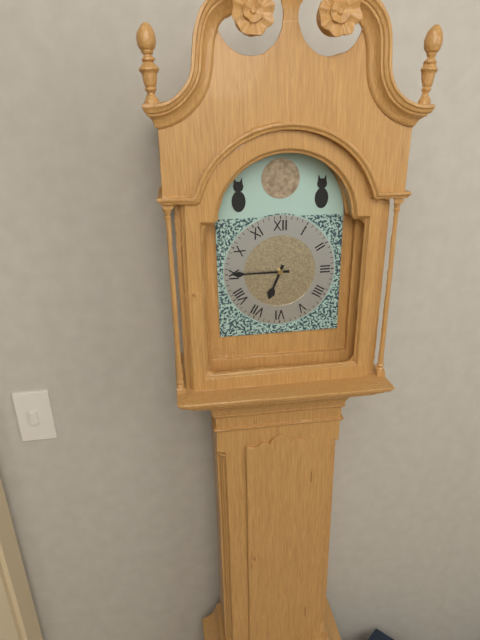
{"hour": 6, "minute": 45}
